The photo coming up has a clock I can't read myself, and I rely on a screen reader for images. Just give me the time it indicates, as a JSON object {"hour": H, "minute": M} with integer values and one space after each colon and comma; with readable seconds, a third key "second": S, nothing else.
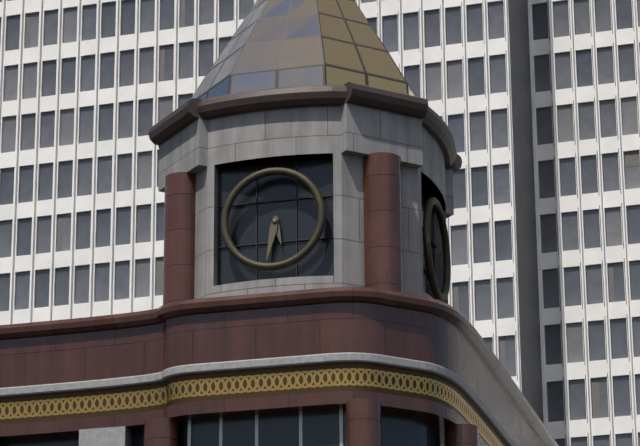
{"hour": 5, "minute": 32}
